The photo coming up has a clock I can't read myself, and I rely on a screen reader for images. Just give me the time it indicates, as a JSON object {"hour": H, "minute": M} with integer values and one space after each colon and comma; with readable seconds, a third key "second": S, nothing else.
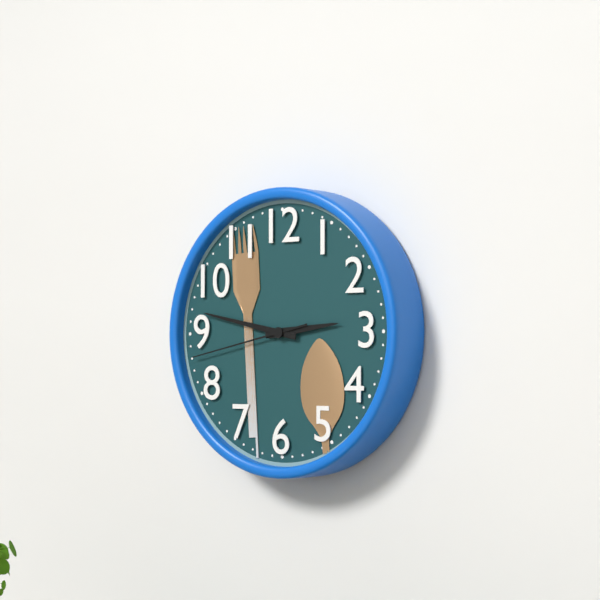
{"hour": 2, "minute": 47, "second": 43}
